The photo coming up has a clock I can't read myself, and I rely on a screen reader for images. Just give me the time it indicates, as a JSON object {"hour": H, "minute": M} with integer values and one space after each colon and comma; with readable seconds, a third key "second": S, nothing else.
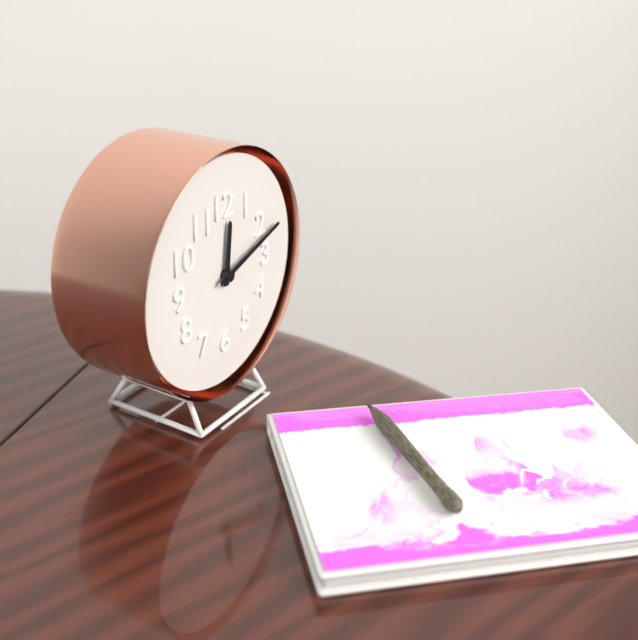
{"hour": 12, "minute": 12}
